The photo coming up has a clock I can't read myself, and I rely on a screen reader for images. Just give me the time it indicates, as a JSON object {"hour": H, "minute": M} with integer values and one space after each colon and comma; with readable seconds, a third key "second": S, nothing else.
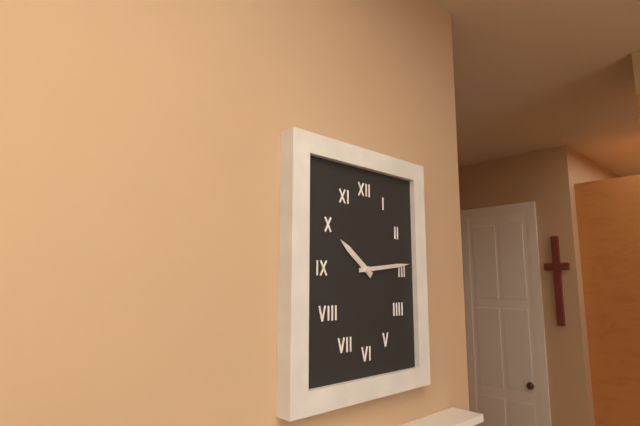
{"hour": 10, "minute": 14}
